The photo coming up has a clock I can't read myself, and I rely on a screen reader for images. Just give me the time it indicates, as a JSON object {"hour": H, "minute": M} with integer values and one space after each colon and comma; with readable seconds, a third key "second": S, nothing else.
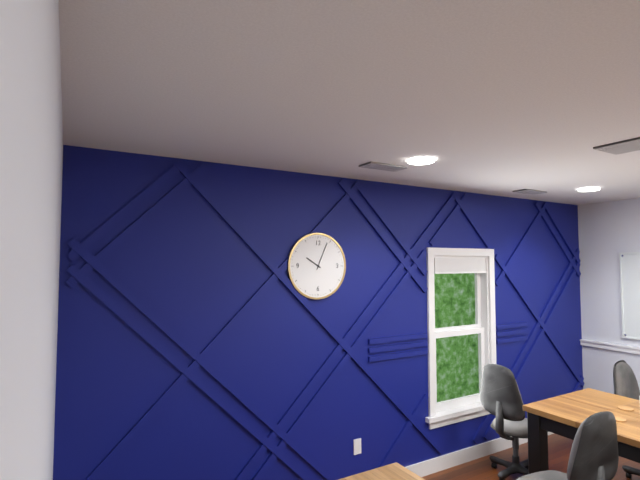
{"hour": 10, "minute": 4}
